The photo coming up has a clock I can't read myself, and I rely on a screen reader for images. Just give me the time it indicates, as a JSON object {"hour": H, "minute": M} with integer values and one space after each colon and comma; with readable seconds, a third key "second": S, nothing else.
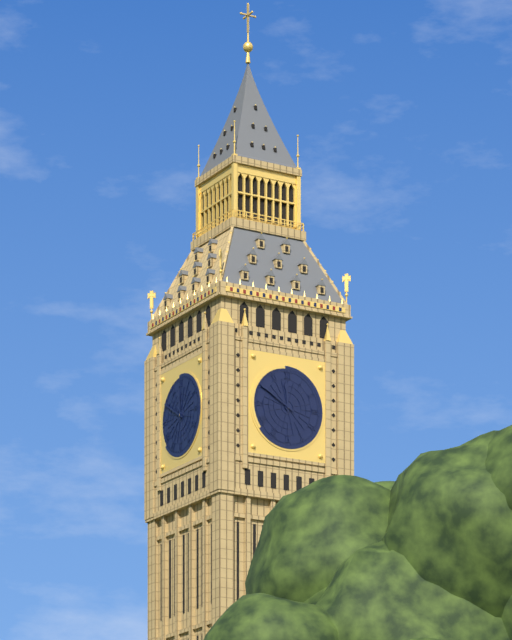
{"hour": 11, "minute": 50}
